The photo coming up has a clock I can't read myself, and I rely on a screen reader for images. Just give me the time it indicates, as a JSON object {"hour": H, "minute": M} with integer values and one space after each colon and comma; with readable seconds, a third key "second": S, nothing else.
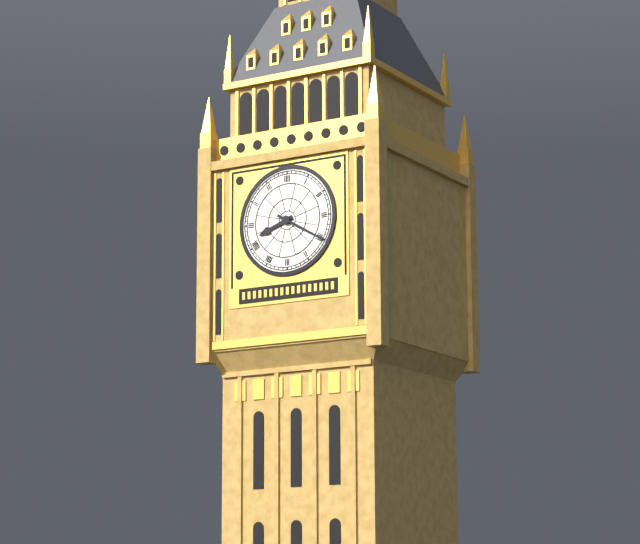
{"hour": 8, "minute": 20}
